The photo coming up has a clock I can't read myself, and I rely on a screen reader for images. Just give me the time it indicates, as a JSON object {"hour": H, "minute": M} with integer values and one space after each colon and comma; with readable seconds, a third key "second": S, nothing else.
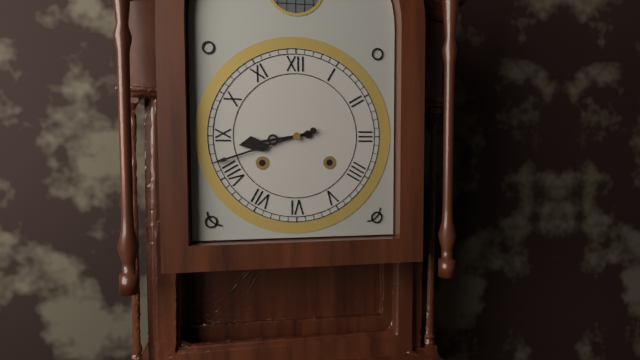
{"hour": 8, "minute": 42}
